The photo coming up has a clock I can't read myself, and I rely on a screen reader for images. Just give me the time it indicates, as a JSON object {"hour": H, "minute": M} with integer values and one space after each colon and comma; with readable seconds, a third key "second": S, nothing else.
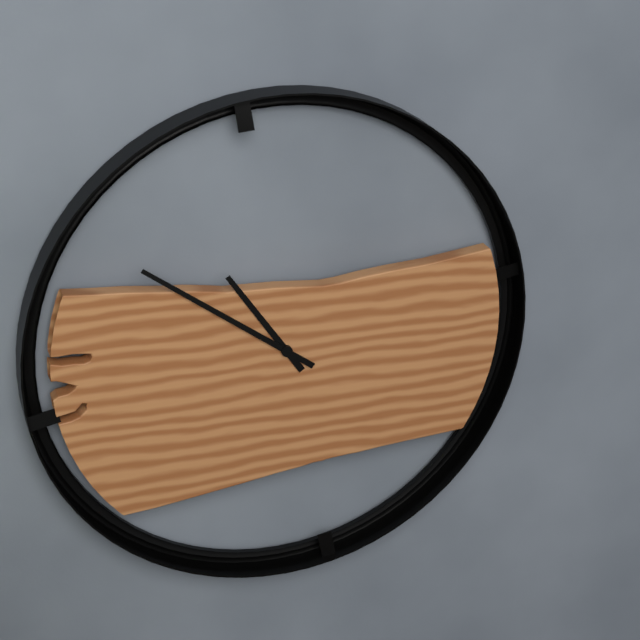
{"hour": 10, "minute": 51}
